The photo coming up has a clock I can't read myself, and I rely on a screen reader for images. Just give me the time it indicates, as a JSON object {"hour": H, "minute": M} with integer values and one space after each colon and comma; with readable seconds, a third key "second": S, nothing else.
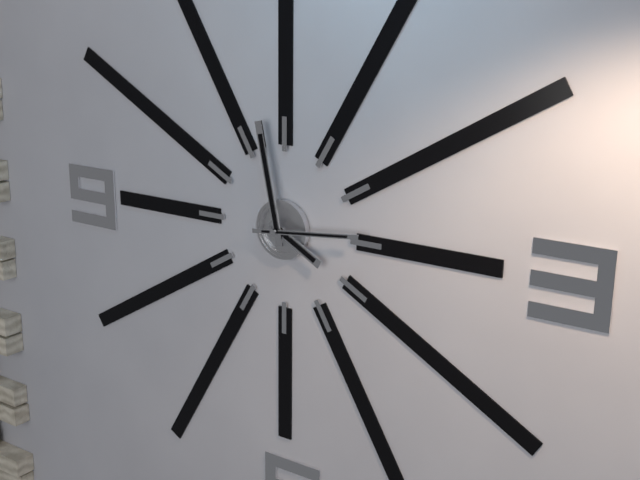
{"hour": 3, "minute": 58, "second": 14}
